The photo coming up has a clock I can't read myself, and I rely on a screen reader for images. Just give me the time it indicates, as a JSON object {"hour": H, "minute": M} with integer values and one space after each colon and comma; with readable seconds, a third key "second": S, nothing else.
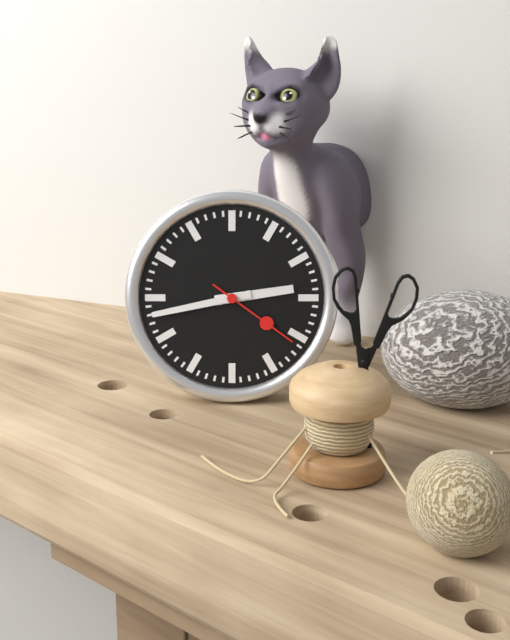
{"hour": 2, "minute": 43, "second": 21}
